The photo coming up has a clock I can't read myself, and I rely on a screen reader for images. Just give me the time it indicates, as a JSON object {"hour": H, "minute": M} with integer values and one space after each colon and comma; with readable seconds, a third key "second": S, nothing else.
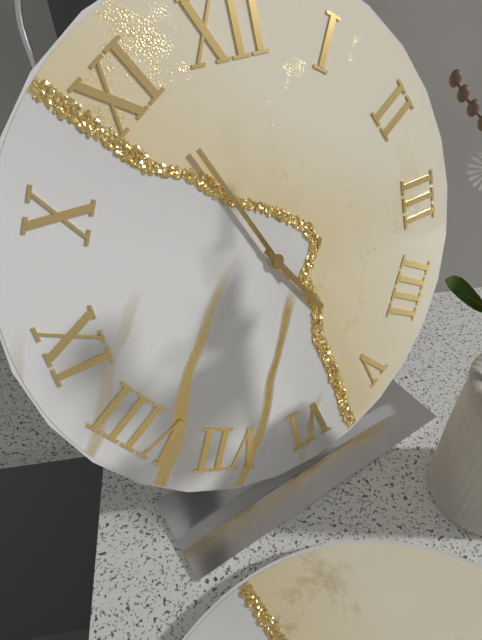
{"hour": 4, "minute": 56}
